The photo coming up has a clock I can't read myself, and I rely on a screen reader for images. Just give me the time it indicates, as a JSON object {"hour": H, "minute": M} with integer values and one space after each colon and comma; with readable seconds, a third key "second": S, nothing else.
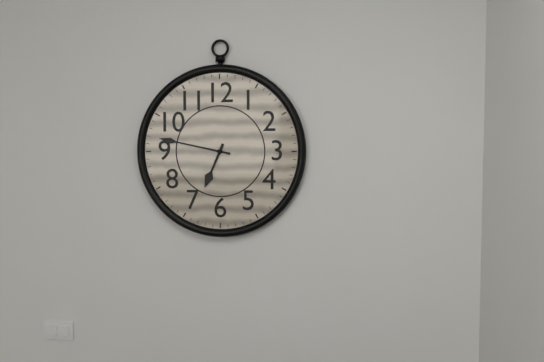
{"hour": 6, "minute": 47}
